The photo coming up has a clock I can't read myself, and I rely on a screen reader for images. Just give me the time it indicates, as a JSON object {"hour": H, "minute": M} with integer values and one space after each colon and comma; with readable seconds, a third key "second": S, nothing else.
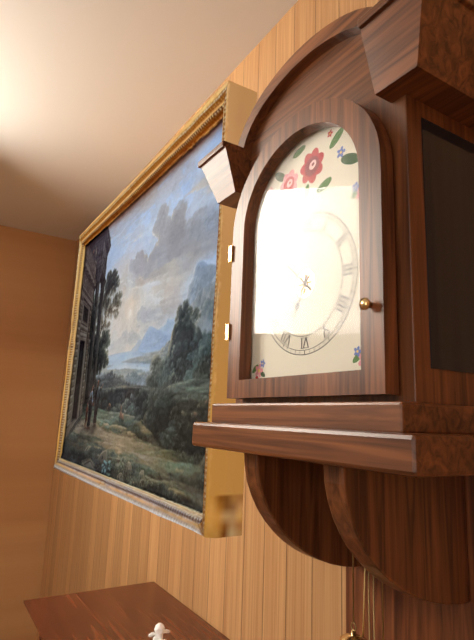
{"hour": 6, "minute": 52}
